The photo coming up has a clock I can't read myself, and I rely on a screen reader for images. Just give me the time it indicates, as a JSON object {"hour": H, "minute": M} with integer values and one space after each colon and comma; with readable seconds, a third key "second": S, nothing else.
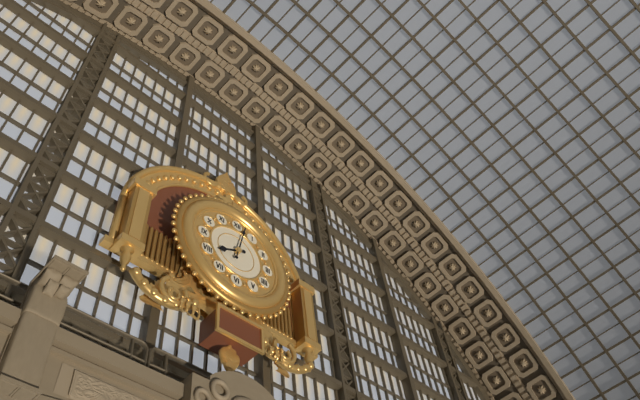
{"hour": 8, "minute": 2}
